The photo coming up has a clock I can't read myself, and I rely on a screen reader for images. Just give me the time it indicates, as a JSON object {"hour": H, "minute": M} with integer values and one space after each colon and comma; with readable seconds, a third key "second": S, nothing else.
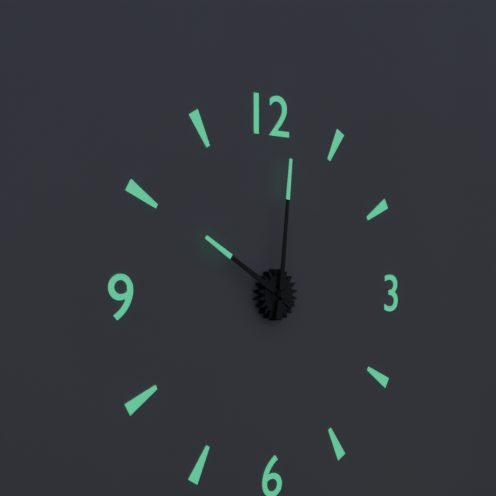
{"hour": 10, "minute": 1}
